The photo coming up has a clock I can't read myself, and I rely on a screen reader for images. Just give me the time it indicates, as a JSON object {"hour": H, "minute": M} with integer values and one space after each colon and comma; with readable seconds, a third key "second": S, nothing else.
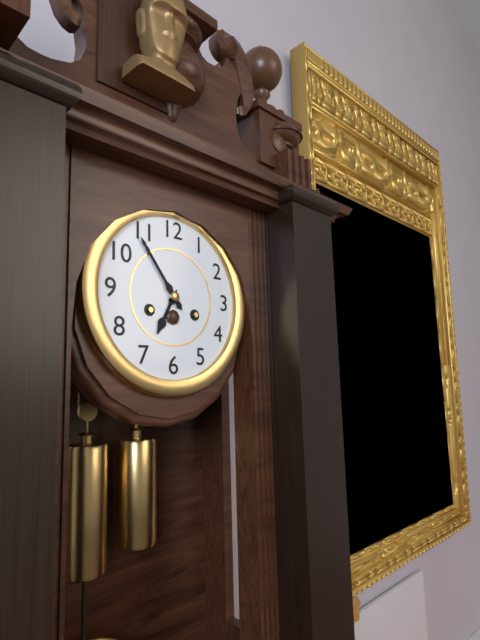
{"hour": 6, "minute": 54}
